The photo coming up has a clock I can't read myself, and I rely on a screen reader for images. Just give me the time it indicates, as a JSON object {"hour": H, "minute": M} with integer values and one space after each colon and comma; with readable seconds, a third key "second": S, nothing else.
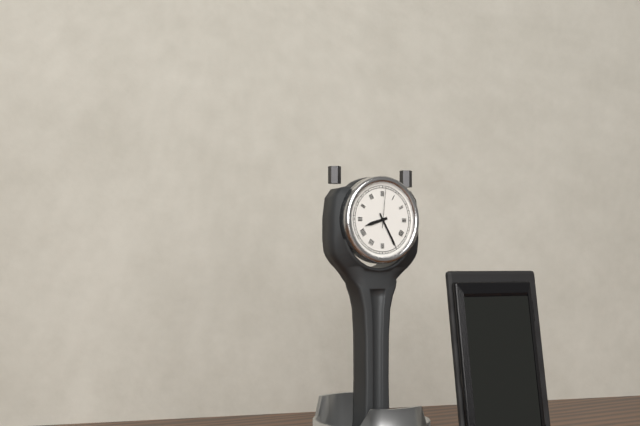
{"hour": 8, "minute": 25}
